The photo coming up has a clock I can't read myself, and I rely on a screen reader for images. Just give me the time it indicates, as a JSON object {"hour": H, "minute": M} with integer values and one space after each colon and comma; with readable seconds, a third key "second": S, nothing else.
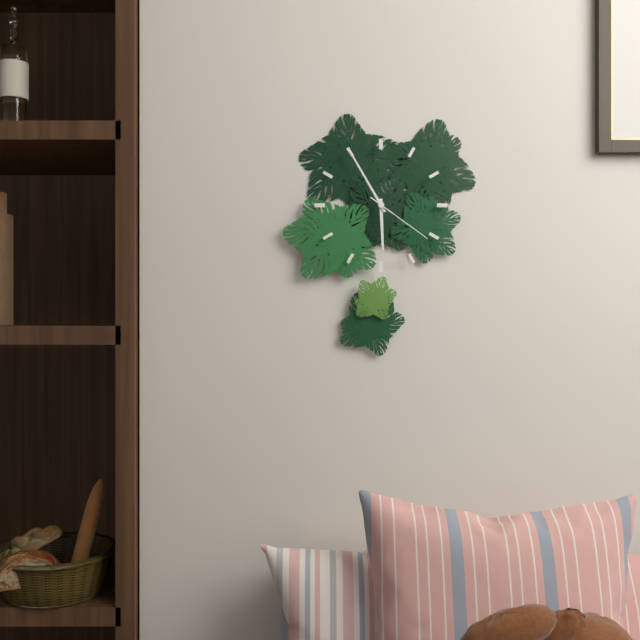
{"hour": 5, "minute": 55, "second": 21}
